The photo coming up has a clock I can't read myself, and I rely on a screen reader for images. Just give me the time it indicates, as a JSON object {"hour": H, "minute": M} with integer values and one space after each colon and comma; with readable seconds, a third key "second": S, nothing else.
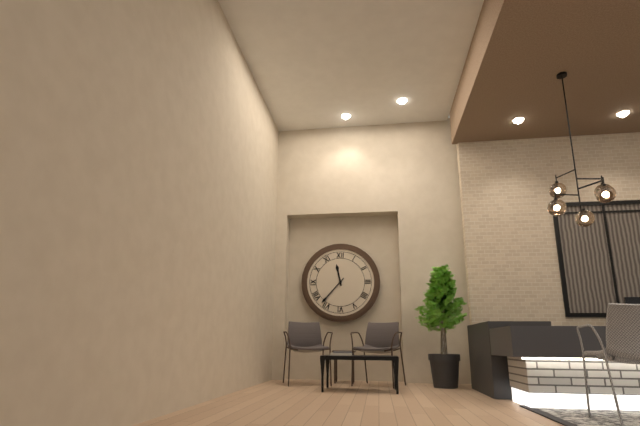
{"hour": 11, "minute": 37}
